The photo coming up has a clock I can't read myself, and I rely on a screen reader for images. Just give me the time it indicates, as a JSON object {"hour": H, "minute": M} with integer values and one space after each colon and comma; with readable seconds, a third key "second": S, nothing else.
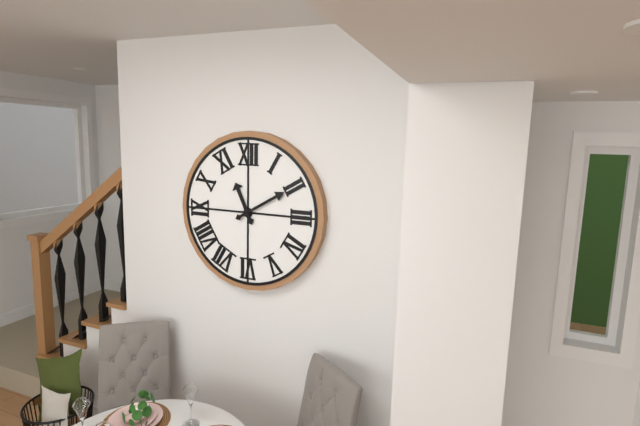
{"hour": 11, "minute": 10}
